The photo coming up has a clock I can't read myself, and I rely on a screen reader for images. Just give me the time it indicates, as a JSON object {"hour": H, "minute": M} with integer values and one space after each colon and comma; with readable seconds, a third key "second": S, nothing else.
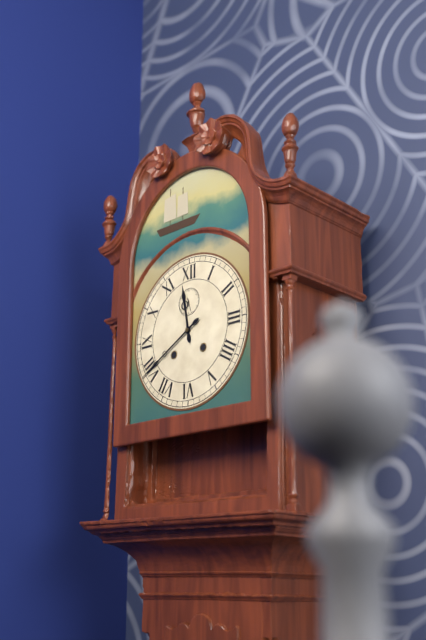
{"hour": 11, "minute": 40}
